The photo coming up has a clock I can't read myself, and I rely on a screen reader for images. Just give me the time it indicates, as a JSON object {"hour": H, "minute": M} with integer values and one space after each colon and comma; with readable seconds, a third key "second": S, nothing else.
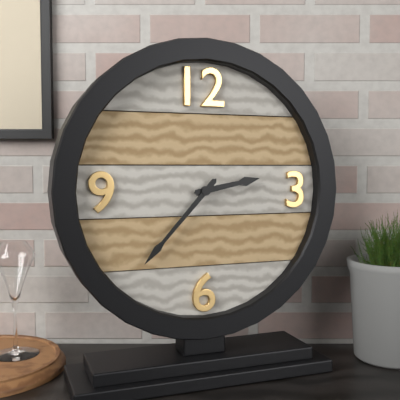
{"hour": 2, "minute": 37}
